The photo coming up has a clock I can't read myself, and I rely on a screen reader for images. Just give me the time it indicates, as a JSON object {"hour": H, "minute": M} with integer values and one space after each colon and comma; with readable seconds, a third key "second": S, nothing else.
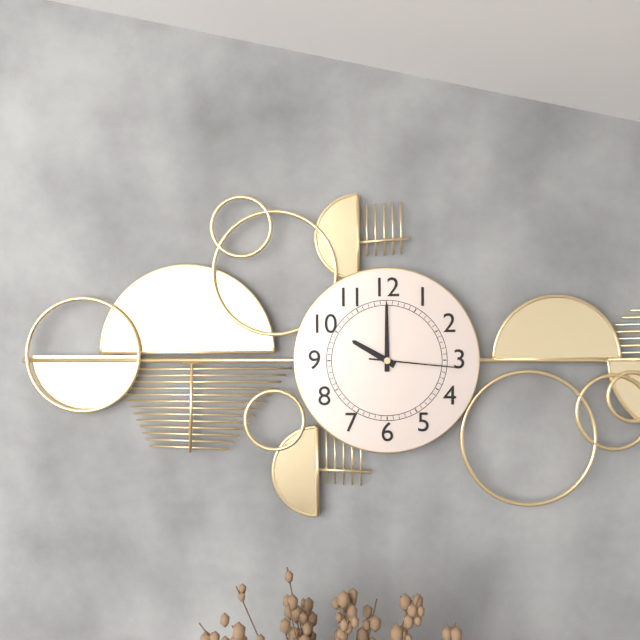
{"hour": 10, "minute": 0, "second": 16}
